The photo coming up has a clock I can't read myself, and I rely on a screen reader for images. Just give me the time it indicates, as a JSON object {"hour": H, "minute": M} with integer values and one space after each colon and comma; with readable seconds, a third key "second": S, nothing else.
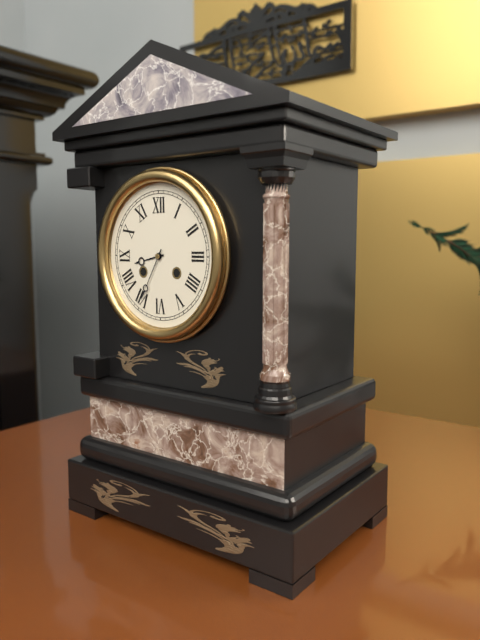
{"hour": 8, "minute": 35}
